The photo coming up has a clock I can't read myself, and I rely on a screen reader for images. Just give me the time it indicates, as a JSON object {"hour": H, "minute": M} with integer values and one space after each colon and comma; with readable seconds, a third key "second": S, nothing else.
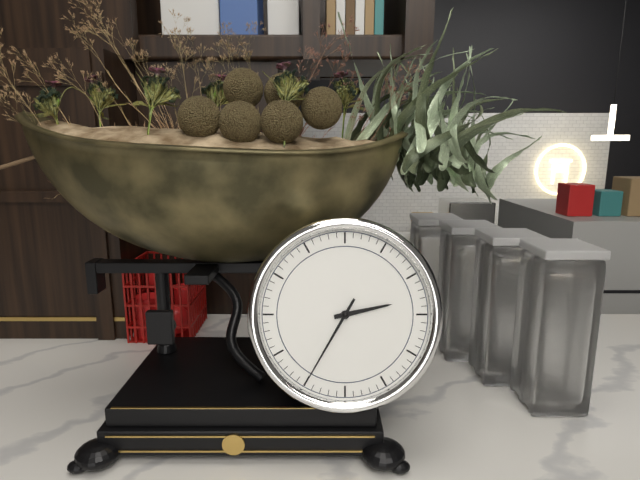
{"hour": 2, "minute": 35}
